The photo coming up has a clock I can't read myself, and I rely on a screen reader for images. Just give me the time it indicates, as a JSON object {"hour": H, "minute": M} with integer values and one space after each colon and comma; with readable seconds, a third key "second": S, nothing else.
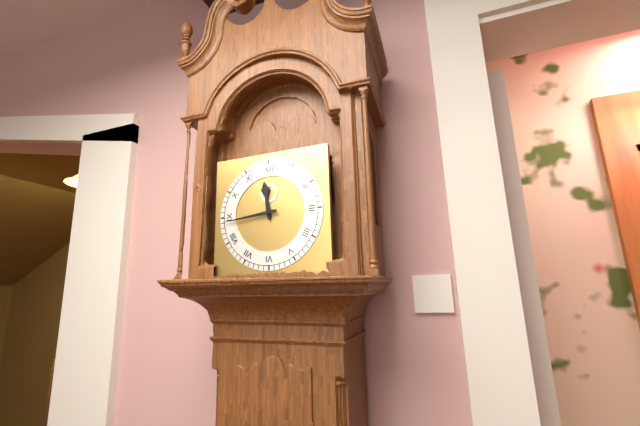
{"hour": 11, "minute": 44}
